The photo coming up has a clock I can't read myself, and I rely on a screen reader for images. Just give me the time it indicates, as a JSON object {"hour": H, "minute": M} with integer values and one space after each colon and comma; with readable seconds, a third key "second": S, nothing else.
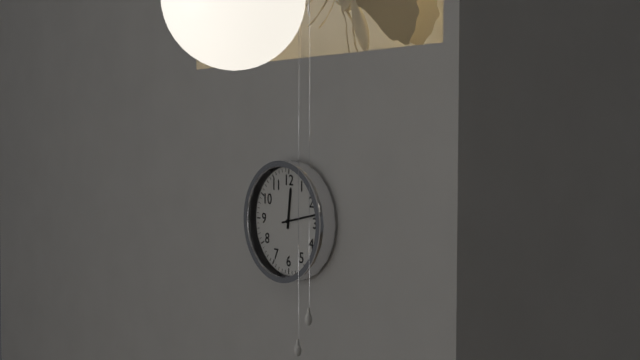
{"hour": 12, "minute": 13}
